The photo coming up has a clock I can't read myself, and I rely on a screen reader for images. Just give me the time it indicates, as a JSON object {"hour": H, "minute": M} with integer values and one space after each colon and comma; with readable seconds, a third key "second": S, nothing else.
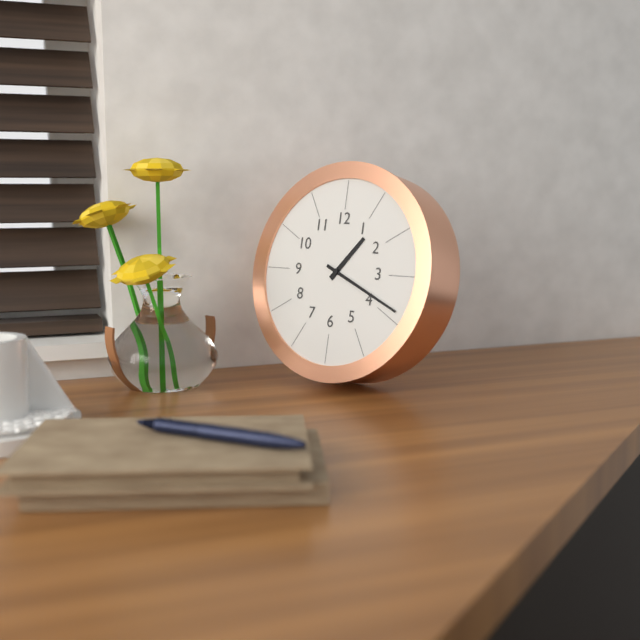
{"hour": 1, "minute": 19}
